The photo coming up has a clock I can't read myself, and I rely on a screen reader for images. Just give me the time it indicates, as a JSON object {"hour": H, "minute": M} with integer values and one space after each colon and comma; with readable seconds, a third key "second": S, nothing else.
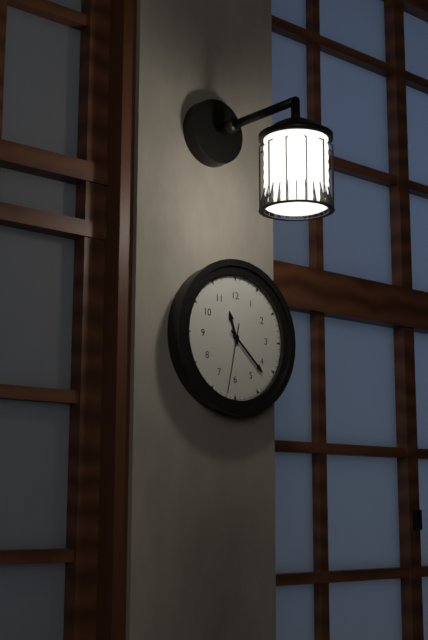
{"hour": 11, "minute": 22, "second": 32}
